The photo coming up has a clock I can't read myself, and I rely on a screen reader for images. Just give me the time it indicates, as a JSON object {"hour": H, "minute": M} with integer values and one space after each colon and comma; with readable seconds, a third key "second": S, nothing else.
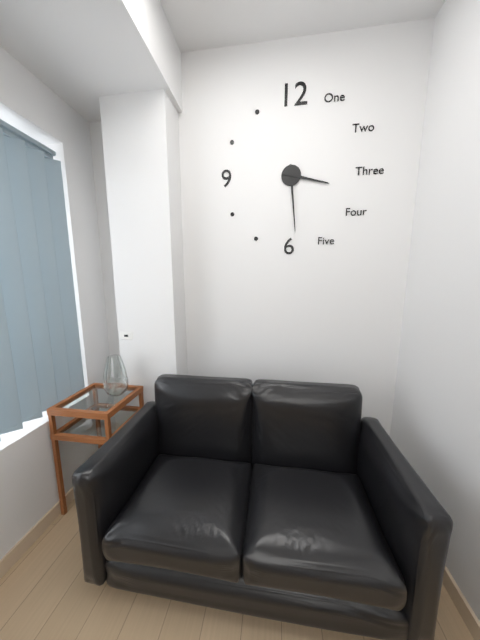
{"hour": 3, "minute": 29}
